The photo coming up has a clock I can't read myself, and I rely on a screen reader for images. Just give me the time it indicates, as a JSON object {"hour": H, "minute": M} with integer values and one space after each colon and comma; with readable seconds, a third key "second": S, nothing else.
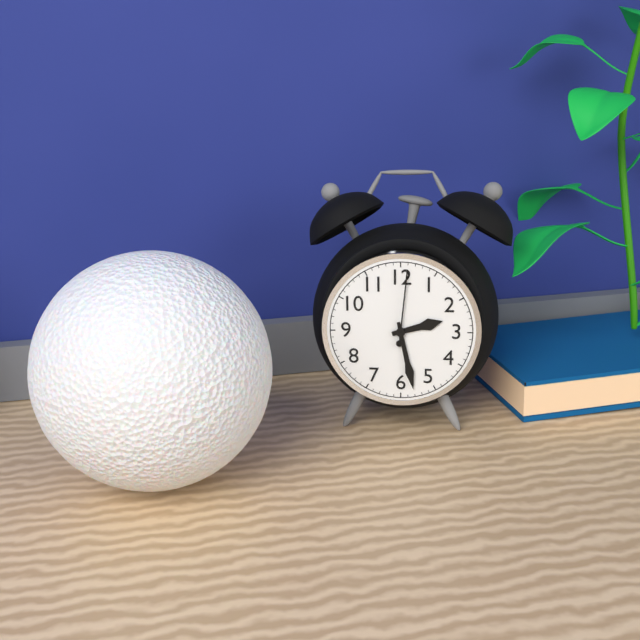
{"hour": 2, "minute": 28, "second": 1}
